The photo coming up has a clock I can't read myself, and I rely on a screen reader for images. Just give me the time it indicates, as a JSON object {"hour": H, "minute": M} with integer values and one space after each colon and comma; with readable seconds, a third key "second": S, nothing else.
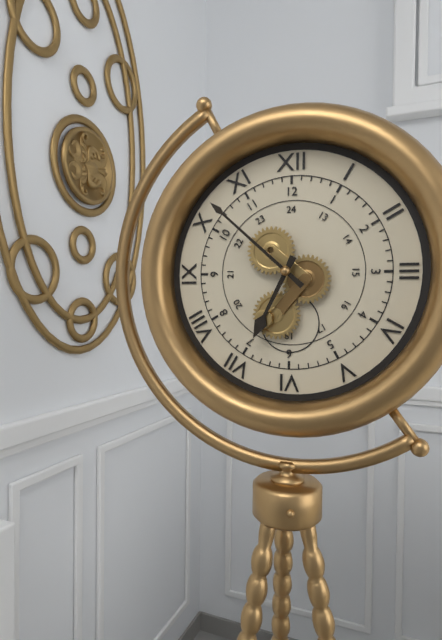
{"hour": 6, "minute": 52}
